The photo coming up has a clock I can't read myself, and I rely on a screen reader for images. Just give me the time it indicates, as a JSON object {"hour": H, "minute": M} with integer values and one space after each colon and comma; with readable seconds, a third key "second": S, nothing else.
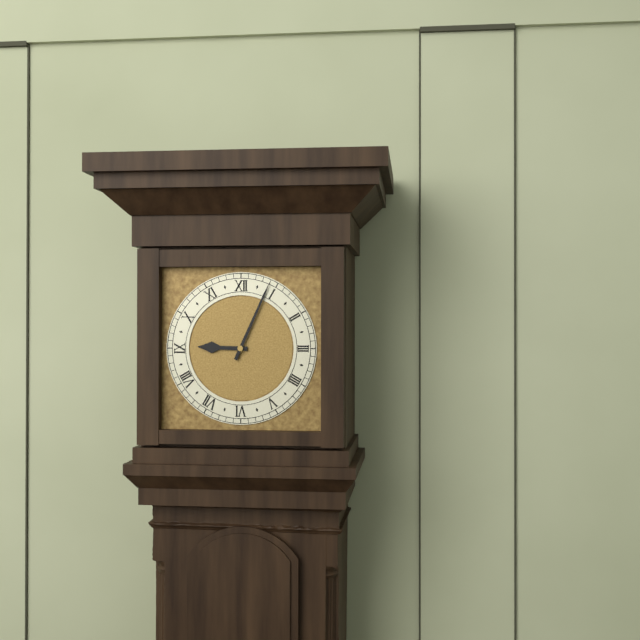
{"hour": 9, "minute": 4}
